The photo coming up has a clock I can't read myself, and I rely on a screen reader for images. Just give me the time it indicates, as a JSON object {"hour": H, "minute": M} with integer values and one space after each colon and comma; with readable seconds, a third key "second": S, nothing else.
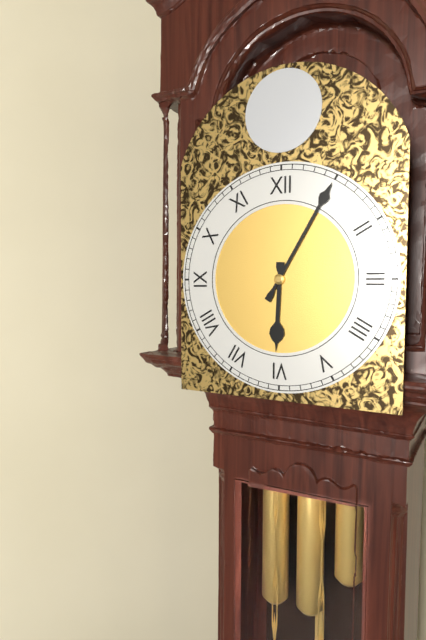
{"hour": 6, "minute": 5}
